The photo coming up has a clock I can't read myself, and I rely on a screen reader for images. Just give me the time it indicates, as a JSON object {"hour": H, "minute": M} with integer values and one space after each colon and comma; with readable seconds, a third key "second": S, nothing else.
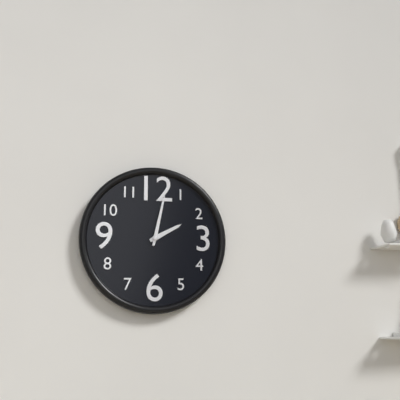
{"hour": 2, "minute": 2}
